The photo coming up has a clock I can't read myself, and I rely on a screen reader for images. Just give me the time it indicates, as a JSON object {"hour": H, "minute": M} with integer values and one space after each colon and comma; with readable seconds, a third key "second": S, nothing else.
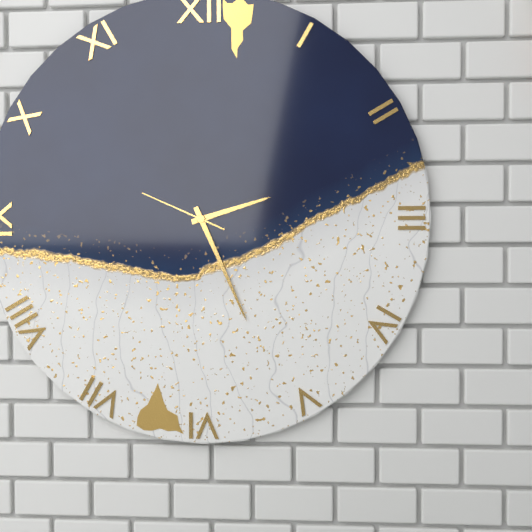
{"hour": 2, "minute": 26, "second": 49}
